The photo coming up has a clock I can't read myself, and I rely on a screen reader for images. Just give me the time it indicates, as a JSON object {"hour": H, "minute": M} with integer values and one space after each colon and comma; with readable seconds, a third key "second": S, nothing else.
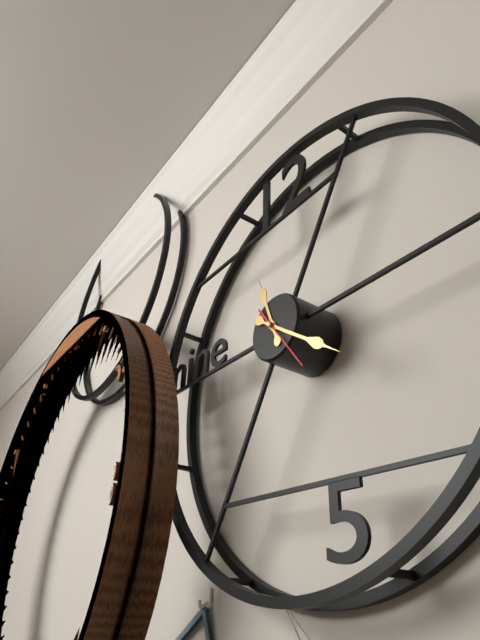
{"hour": 11, "minute": 21, "second": 24}
